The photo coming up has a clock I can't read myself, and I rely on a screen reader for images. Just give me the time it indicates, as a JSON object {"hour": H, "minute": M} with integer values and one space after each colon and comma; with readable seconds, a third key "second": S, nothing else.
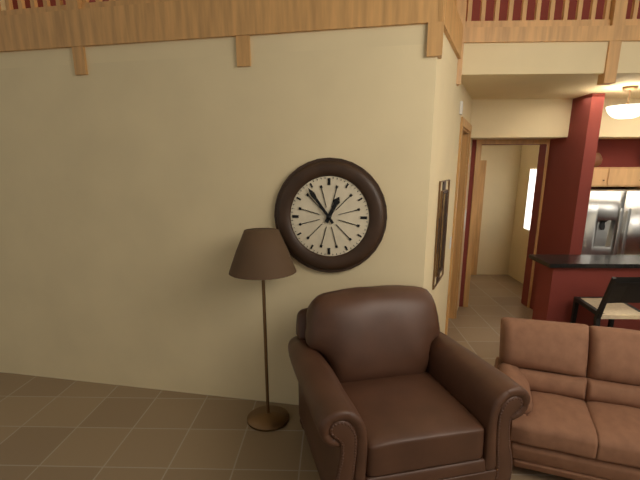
{"hour": 12, "minute": 54}
